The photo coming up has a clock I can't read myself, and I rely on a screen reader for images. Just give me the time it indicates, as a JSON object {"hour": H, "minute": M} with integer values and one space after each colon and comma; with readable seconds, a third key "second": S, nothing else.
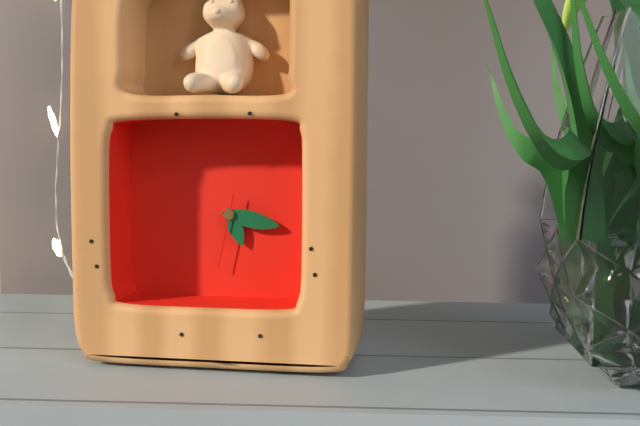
{"hour": 5, "minute": 17, "second": 32}
